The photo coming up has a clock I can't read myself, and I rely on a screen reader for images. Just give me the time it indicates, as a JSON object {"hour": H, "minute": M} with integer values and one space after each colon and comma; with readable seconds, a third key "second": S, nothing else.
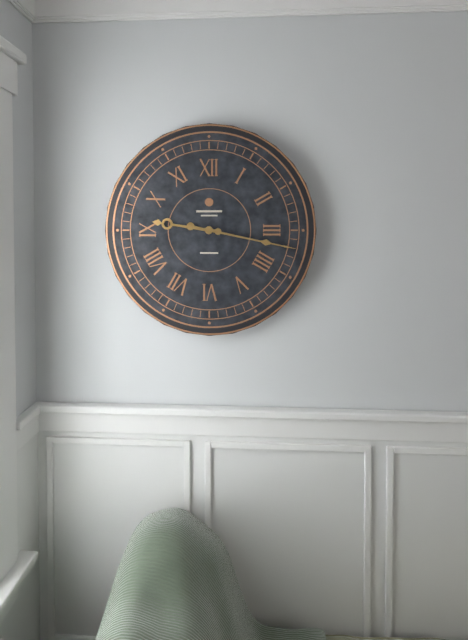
{"hour": 9, "minute": 17}
